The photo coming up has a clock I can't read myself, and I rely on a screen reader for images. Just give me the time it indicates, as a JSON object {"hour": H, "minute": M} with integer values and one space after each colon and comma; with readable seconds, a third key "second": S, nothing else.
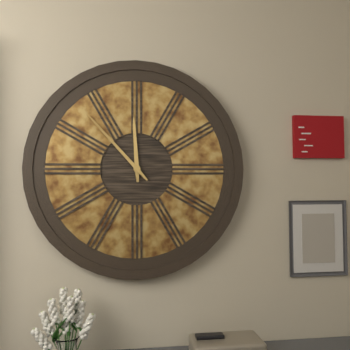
{"hour": 11, "minute": 53}
